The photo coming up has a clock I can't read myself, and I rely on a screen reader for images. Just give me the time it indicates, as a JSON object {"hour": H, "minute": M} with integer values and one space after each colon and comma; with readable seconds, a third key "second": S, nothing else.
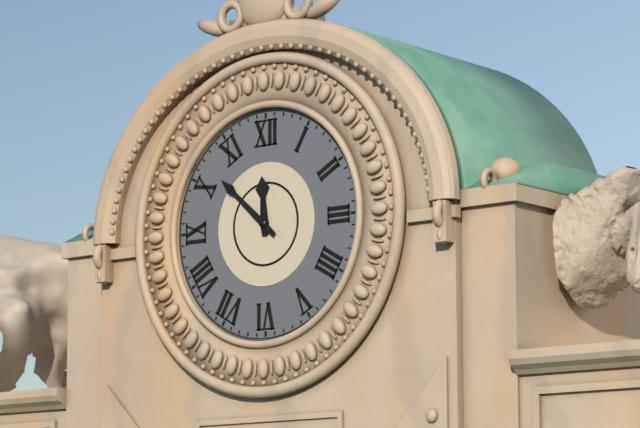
{"hour": 11, "minute": 52}
